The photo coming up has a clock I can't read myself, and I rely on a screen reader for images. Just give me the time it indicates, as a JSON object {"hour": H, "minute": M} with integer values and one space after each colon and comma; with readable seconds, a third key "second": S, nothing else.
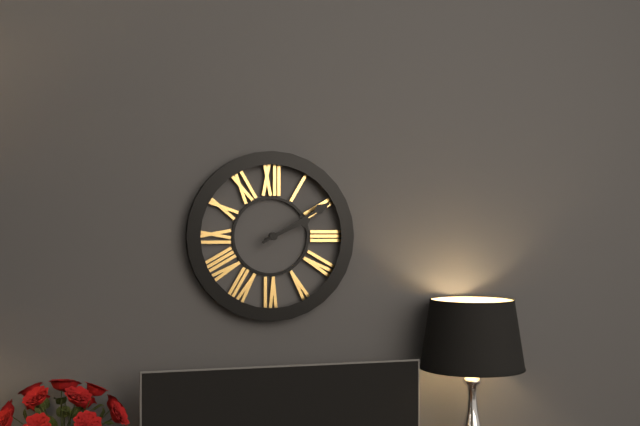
{"hour": 2, "minute": 10}
